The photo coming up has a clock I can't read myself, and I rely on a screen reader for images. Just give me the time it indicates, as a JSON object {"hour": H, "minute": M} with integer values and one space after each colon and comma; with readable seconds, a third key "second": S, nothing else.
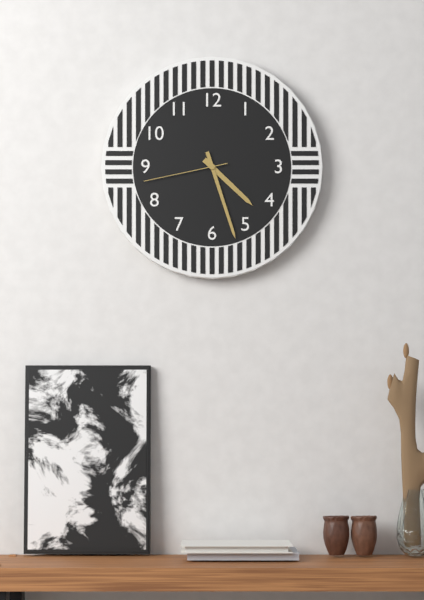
{"hour": 4, "minute": 27, "second": 43}
